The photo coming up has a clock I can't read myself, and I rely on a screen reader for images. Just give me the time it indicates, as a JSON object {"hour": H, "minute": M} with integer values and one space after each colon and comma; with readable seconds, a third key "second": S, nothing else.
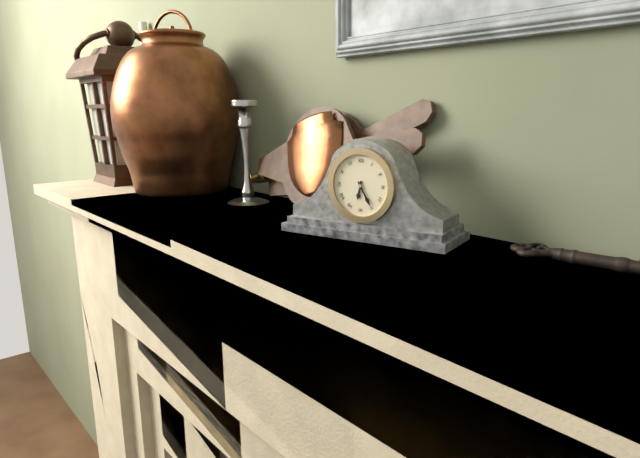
{"hour": 6, "minute": 25}
